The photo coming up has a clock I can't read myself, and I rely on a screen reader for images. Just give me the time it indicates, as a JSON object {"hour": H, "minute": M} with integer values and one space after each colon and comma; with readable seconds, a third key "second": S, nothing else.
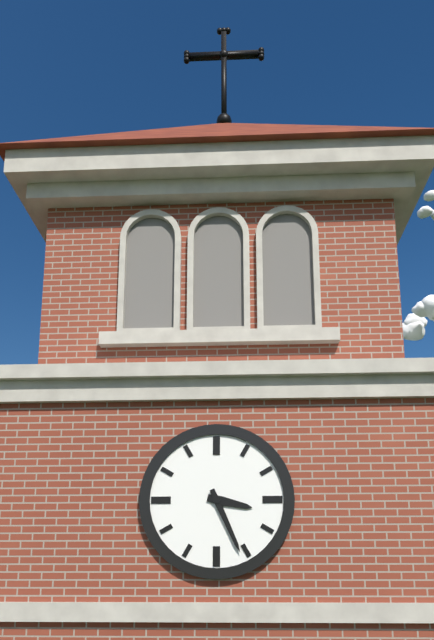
{"hour": 3, "minute": 26}
